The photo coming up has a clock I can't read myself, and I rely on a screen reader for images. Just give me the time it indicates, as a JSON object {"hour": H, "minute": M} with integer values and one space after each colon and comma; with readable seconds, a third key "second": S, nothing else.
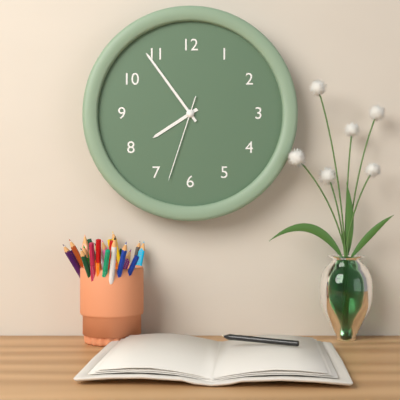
{"hour": 7, "minute": 54, "second": 33}
